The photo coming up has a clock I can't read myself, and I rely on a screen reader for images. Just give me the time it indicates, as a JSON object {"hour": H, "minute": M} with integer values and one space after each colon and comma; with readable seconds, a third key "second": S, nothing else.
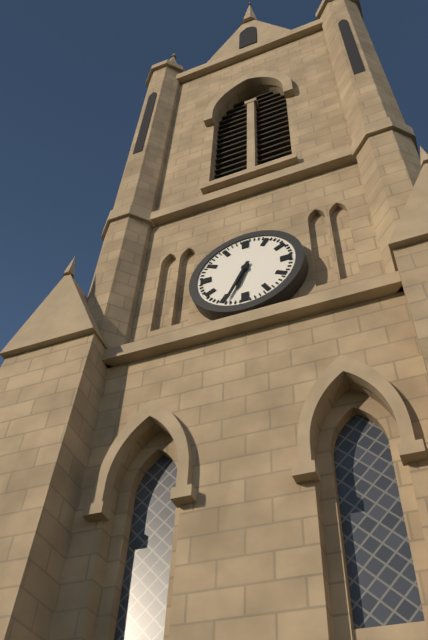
{"hour": 6, "minute": 34}
